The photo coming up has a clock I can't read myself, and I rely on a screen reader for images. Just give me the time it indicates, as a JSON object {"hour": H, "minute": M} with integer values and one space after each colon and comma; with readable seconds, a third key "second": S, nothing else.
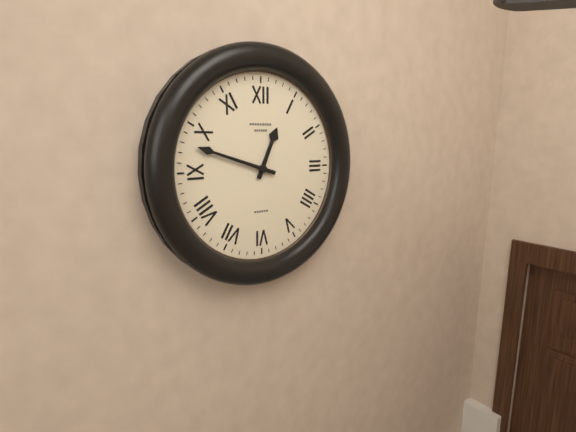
{"hour": 12, "minute": 48}
